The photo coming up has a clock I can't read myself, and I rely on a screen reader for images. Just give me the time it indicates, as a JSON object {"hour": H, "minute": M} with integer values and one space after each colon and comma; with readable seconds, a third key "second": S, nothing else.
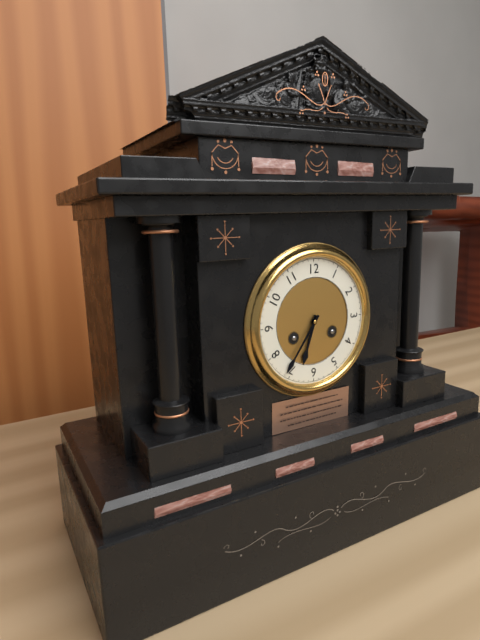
{"hour": 6, "minute": 36}
